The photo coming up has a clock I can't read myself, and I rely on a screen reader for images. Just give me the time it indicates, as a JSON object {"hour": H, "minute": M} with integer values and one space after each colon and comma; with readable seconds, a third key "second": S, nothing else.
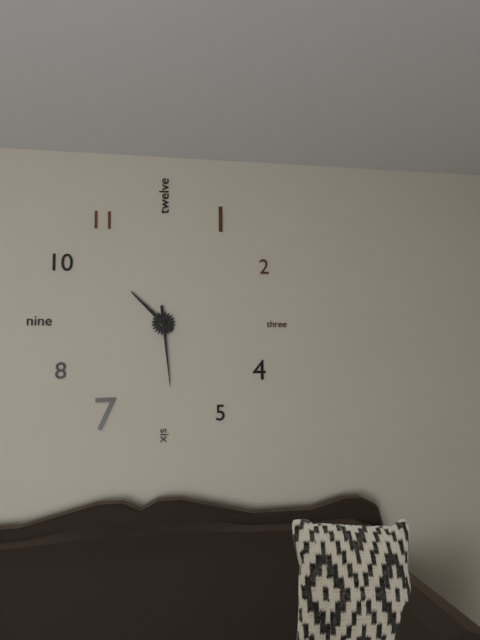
{"hour": 10, "minute": 29}
